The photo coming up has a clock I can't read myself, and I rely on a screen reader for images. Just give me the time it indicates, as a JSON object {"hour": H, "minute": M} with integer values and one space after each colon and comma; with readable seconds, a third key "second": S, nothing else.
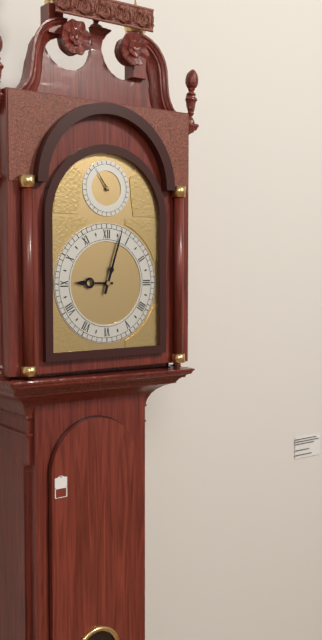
{"hour": 9, "minute": 3}
